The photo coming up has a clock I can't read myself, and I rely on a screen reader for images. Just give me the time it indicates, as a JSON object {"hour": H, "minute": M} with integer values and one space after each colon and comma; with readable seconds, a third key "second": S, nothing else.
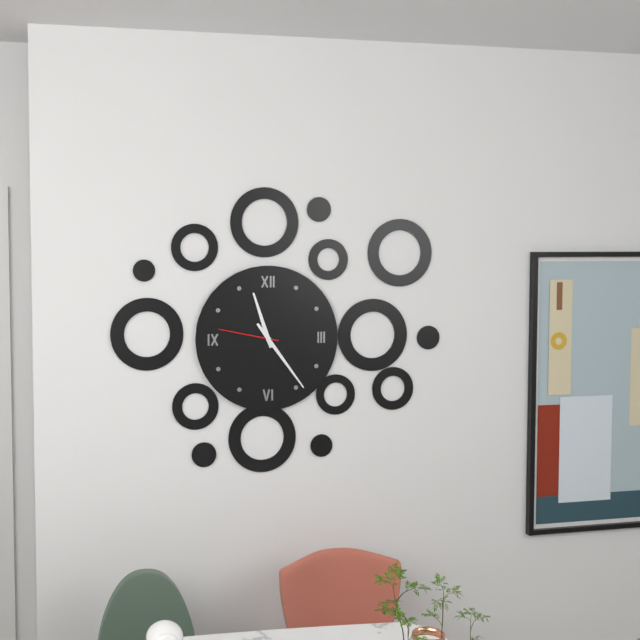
{"hour": 11, "minute": 24, "second": 47}
